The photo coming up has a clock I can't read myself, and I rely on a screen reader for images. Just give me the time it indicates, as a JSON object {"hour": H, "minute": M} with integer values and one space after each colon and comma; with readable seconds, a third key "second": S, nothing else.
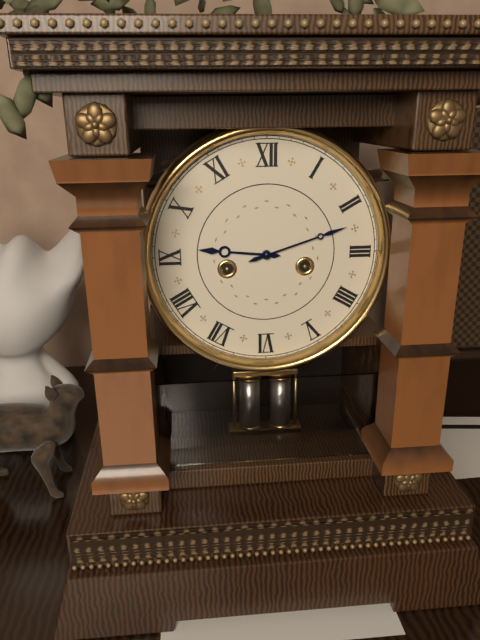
{"hour": 9, "minute": 12}
